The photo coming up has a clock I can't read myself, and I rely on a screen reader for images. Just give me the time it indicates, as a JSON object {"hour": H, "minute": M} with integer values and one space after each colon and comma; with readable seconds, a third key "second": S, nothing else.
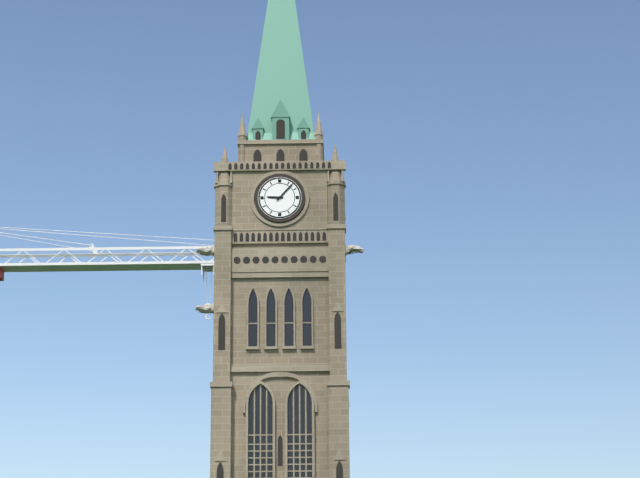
{"hour": 9, "minute": 7}
